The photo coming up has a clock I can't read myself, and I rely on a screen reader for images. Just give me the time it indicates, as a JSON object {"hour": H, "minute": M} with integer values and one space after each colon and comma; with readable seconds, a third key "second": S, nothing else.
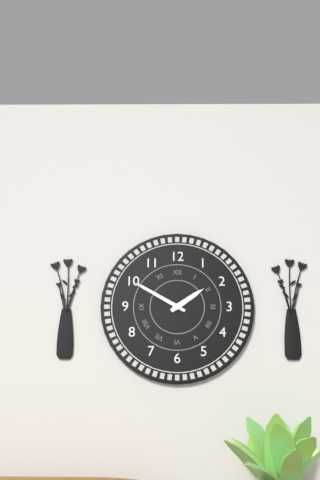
{"hour": 1, "minute": 50}
